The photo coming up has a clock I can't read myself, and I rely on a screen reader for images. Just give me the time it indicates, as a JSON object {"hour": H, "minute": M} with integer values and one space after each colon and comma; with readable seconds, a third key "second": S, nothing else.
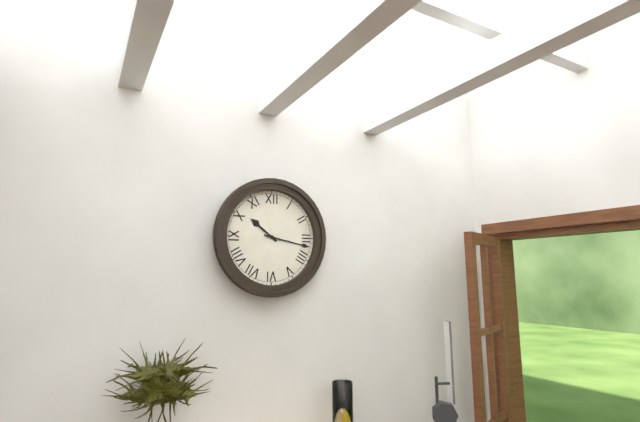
{"hour": 10, "minute": 17}
